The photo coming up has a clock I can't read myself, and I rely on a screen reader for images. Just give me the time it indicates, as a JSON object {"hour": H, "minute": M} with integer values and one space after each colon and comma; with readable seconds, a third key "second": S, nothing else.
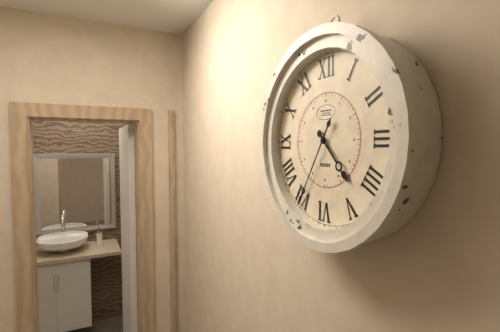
{"hour": 4, "minute": 35}
